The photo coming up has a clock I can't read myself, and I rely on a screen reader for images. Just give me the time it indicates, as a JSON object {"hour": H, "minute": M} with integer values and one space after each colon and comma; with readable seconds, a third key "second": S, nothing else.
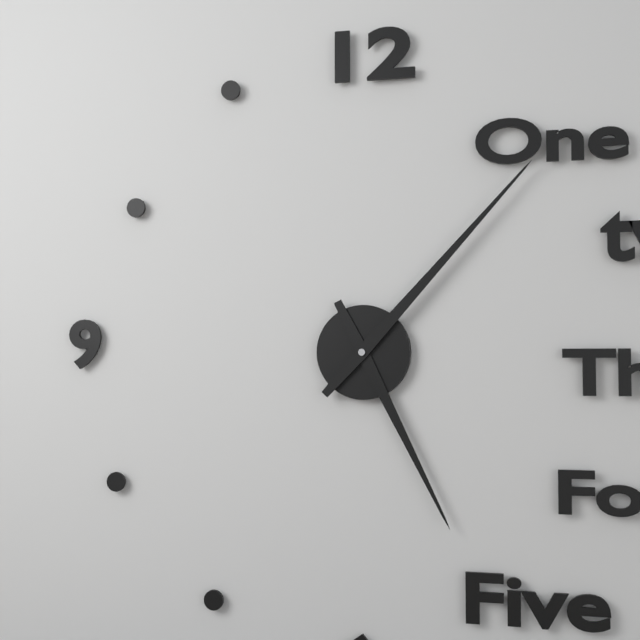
{"hour": 5, "minute": 7}
